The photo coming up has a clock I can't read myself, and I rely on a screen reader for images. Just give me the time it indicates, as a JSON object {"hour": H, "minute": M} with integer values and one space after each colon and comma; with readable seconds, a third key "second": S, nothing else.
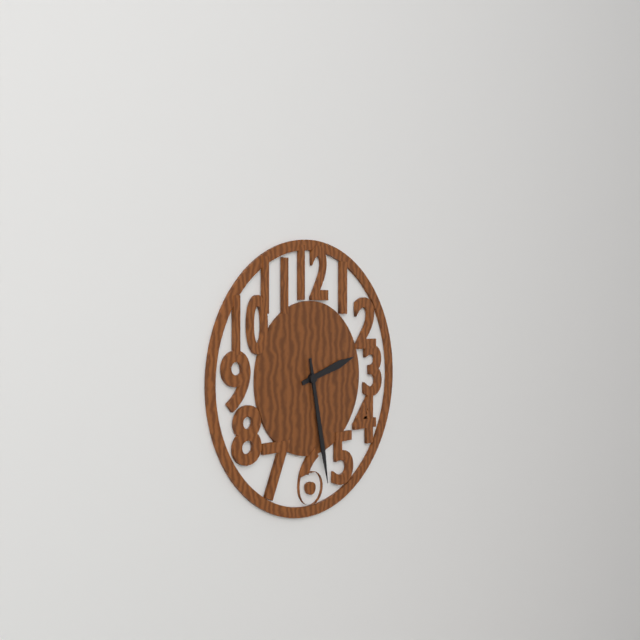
{"hour": 2, "minute": 28}
